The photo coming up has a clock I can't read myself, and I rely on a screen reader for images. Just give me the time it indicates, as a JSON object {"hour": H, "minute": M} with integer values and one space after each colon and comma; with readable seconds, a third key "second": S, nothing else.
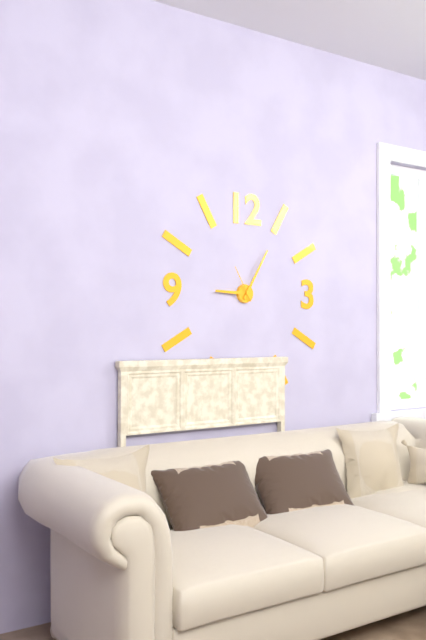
{"hour": 9, "minute": 5}
